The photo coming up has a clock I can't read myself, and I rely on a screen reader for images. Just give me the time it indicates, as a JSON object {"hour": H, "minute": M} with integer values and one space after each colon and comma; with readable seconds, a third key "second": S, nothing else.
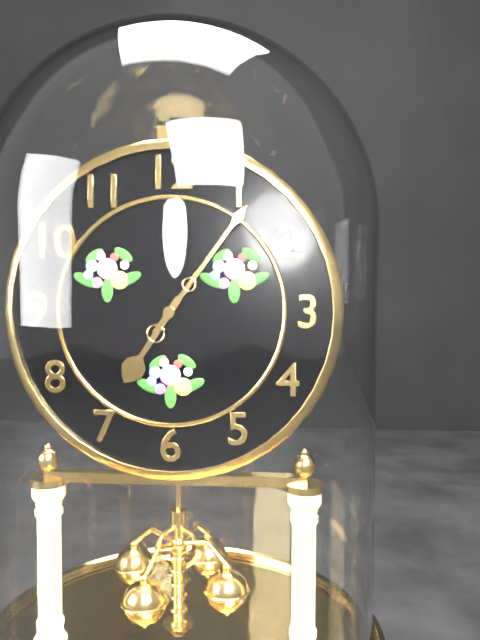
{"hour": 7, "minute": 6}
